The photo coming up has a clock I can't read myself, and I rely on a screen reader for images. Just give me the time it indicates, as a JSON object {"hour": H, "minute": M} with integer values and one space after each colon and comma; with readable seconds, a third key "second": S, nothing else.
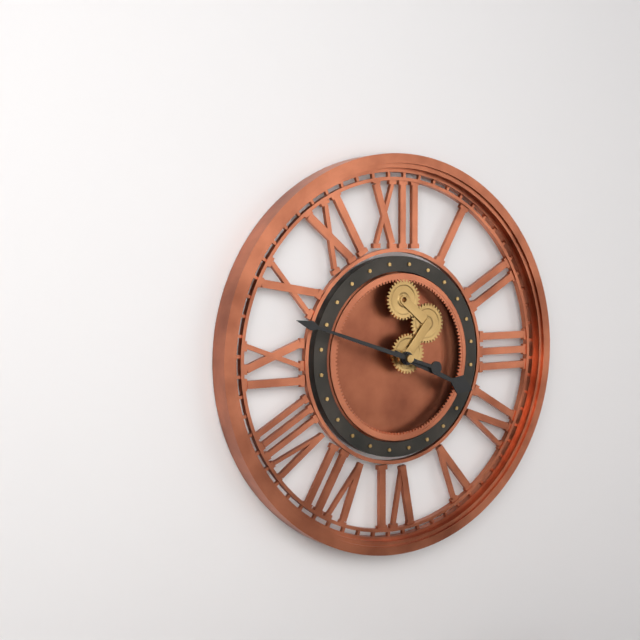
{"hour": 3, "minute": 48}
